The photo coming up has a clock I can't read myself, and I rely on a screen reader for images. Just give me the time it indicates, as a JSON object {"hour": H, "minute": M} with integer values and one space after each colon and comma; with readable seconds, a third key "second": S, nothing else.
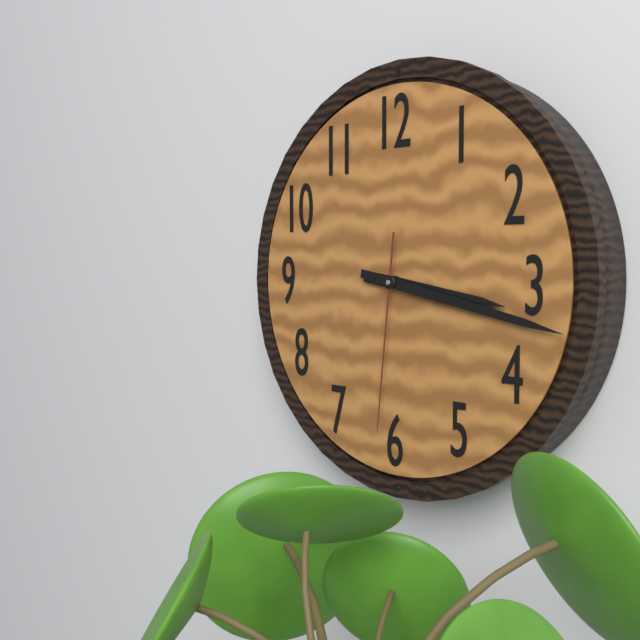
{"hour": 3, "minute": 17, "second": 31}
